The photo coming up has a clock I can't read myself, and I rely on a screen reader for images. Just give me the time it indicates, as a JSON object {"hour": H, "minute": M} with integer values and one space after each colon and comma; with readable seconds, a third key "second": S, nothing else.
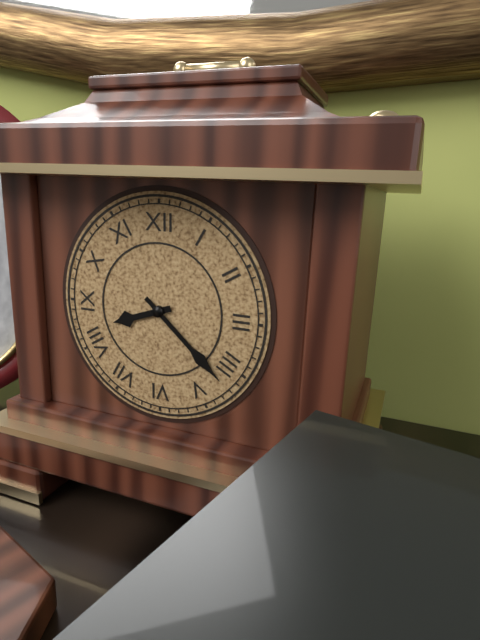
{"hour": 8, "minute": 22}
